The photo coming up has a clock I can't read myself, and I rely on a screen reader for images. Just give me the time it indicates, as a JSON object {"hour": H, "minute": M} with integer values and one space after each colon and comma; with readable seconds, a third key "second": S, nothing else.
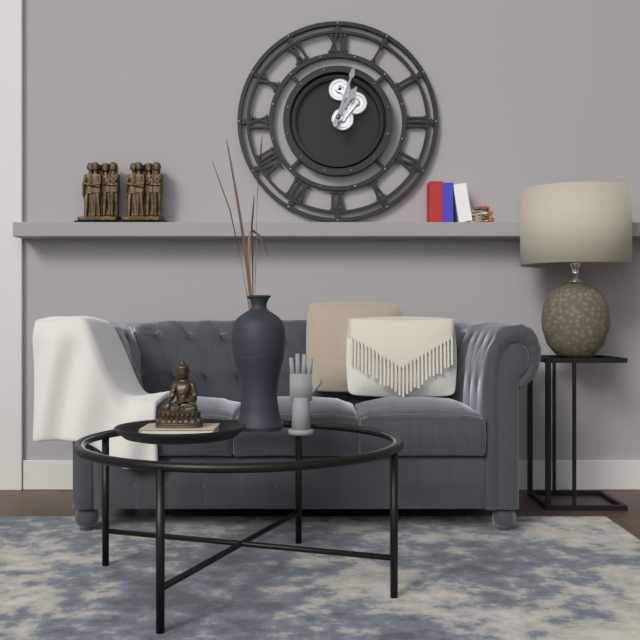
{"hour": 1, "minute": 3}
